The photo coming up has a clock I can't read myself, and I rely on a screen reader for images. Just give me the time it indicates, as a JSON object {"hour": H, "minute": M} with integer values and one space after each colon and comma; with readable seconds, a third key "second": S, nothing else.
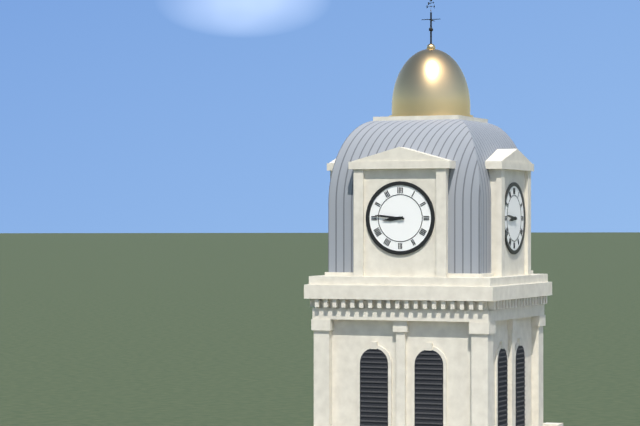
{"hour": 8, "minute": 46}
